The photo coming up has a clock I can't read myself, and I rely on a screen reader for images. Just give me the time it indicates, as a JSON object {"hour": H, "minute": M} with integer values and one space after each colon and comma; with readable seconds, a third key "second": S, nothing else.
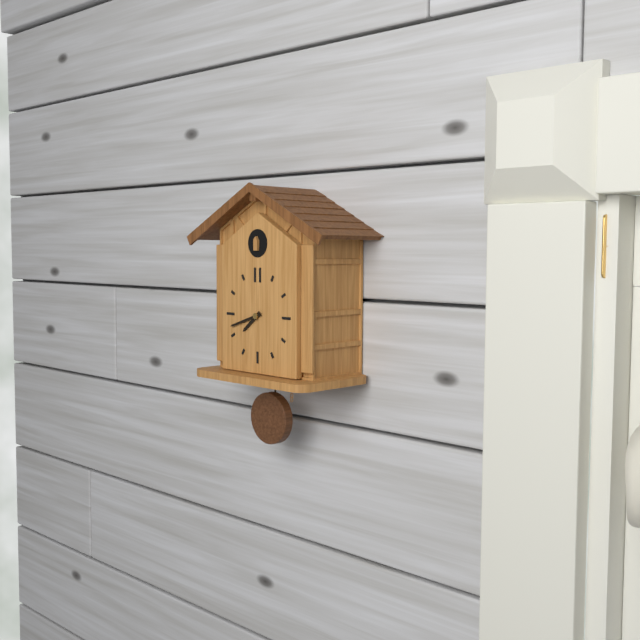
{"hour": 7, "minute": 42}
